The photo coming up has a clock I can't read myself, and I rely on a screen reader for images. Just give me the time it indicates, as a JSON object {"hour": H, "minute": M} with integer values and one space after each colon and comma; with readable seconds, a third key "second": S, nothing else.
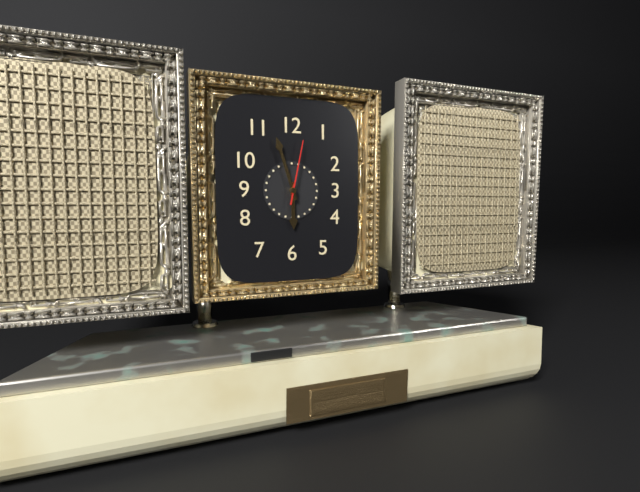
{"hour": 5, "minute": 57, "second": 2}
